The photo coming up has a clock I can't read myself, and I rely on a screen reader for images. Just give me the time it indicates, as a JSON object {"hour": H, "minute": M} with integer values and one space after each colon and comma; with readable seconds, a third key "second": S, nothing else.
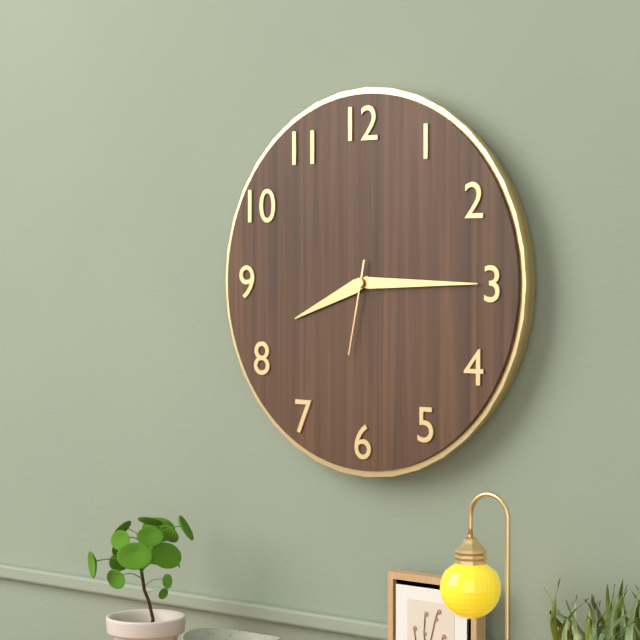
{"hour": 8, "minute": 15, "second": 32}
